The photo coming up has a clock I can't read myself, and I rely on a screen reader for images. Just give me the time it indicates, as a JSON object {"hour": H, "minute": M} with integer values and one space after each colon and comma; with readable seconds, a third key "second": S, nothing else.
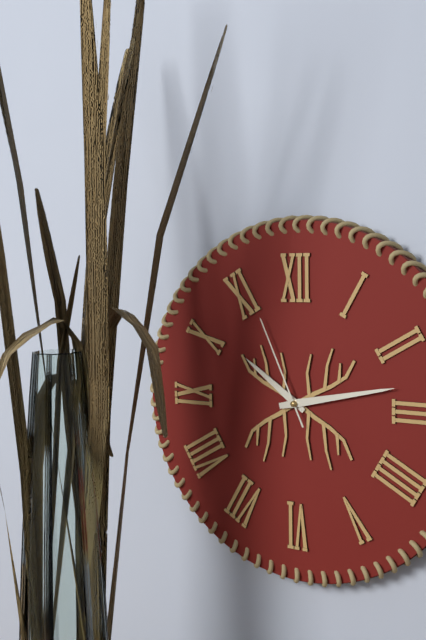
{"hour": 10, "minute": 13, "second": 56}
